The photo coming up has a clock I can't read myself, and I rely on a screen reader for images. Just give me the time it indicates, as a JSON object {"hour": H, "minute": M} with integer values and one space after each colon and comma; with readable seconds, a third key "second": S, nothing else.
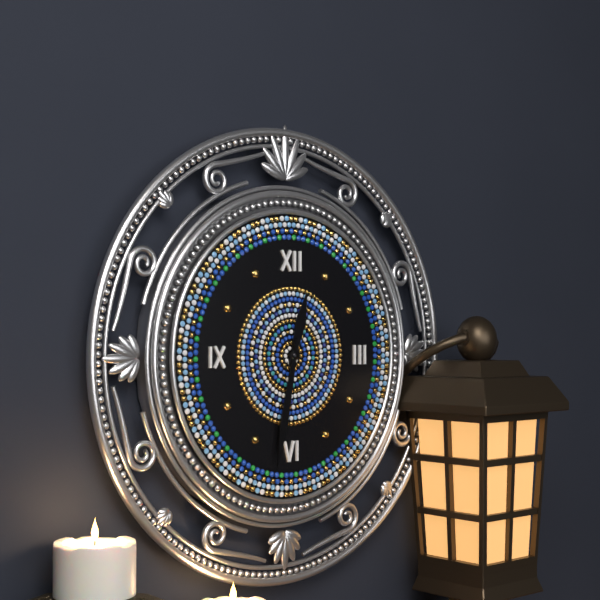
{"hour": 12, "minute": 32}
